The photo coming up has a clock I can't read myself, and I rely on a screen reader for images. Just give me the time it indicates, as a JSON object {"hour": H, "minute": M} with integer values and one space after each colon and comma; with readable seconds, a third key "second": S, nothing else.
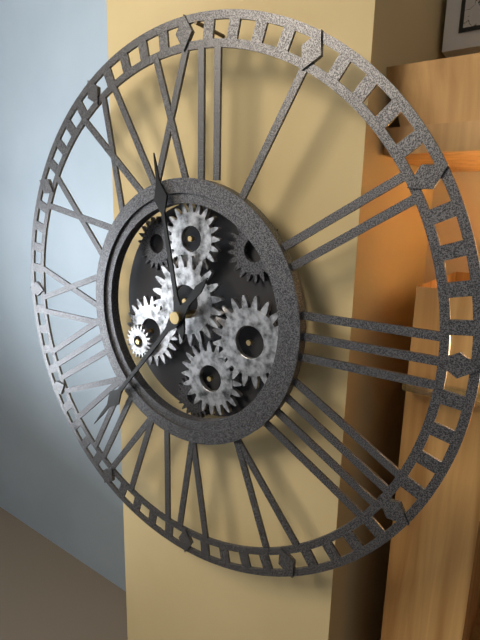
{"hour": 11, "minute": 37}
